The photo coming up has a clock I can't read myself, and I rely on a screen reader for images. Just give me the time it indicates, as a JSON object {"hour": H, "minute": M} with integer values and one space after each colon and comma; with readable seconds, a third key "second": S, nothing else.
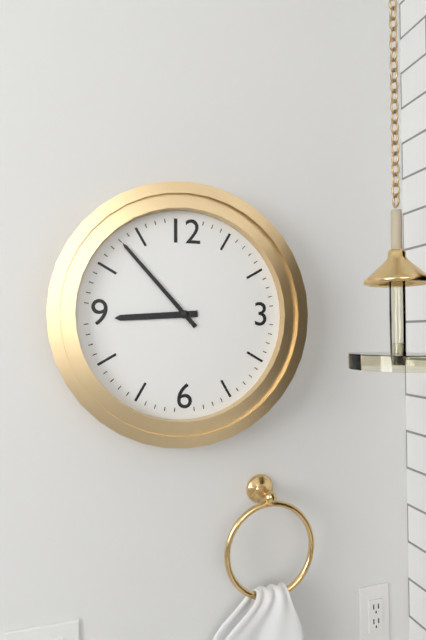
{"hour": 8, "minute": 53}
